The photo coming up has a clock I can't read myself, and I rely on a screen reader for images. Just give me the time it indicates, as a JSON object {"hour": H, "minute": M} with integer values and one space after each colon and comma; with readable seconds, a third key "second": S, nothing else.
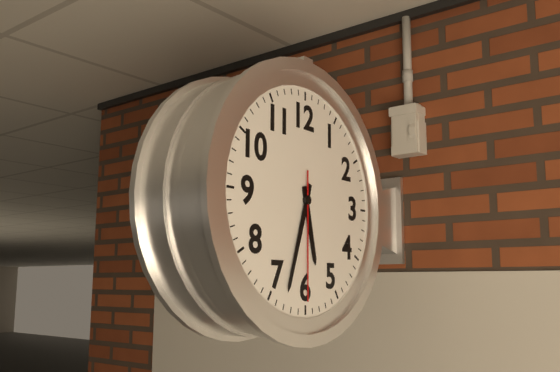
{"hour": 5, "minute": 33, "second": 30}
